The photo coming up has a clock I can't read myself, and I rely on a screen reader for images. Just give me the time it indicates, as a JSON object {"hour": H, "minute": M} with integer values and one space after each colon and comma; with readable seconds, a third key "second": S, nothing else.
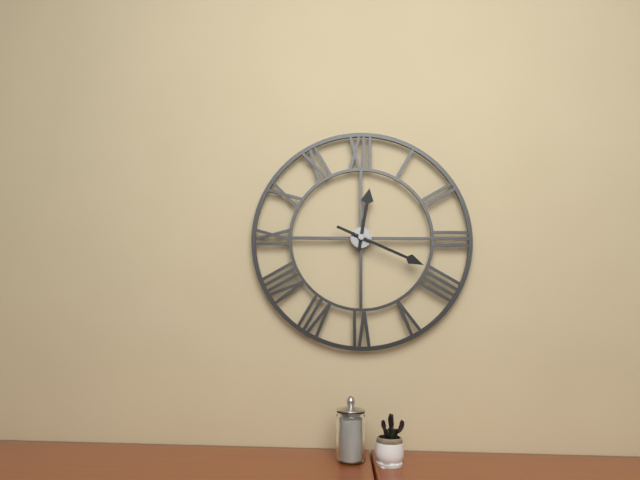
{"hour": 12, "minute": 19}
